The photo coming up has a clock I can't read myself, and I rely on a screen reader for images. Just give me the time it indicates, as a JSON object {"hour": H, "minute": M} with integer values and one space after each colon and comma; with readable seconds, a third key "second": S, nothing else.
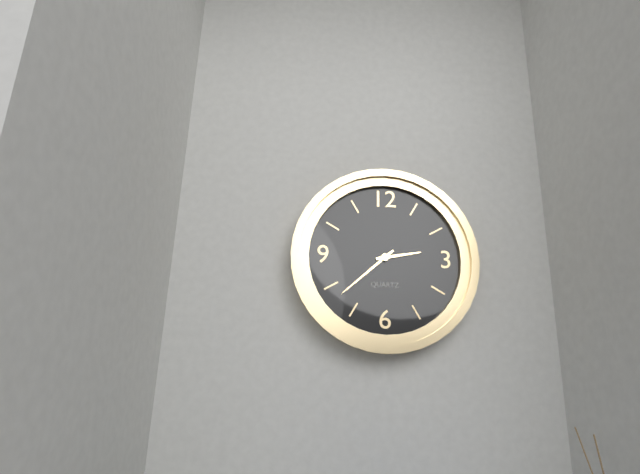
{"hour": 2, "minute": 38}
